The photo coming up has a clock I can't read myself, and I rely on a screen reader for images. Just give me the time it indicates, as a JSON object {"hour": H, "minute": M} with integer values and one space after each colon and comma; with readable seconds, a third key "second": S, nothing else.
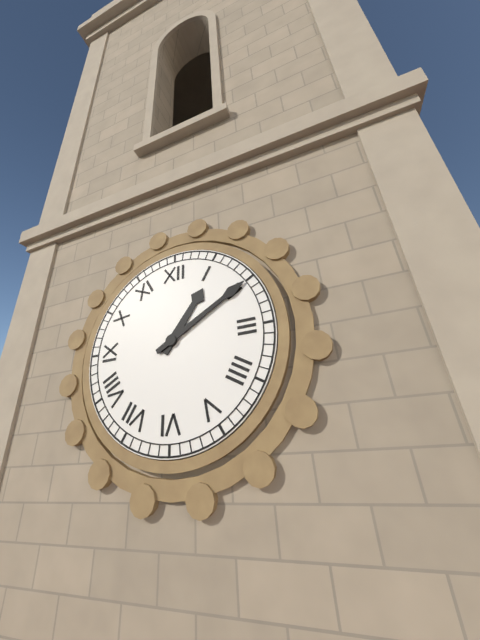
{"hour": 1, "minute": 10}
